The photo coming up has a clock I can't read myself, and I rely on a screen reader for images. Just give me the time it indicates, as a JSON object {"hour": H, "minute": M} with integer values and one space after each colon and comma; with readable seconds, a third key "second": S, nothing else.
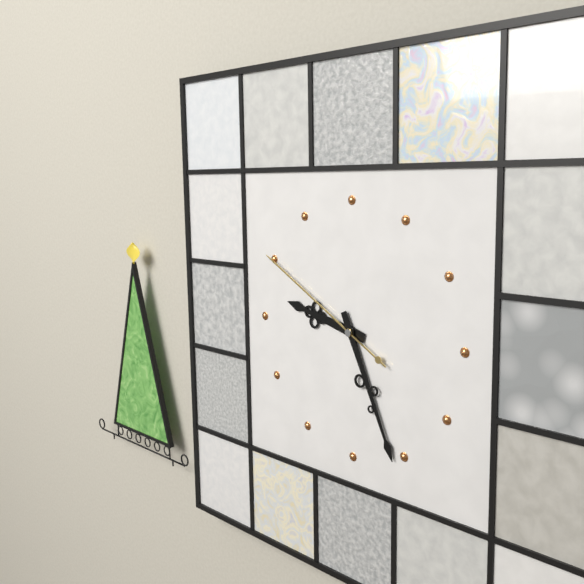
{"hour": 9, "minute": 26, "second": 50}
